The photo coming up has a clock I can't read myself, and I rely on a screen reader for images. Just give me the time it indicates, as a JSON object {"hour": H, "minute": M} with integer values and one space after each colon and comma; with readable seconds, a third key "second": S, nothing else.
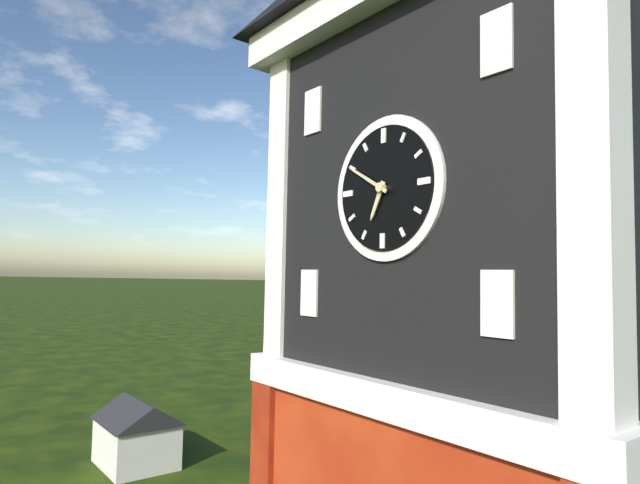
{"hour": 6, "minute": 50}
